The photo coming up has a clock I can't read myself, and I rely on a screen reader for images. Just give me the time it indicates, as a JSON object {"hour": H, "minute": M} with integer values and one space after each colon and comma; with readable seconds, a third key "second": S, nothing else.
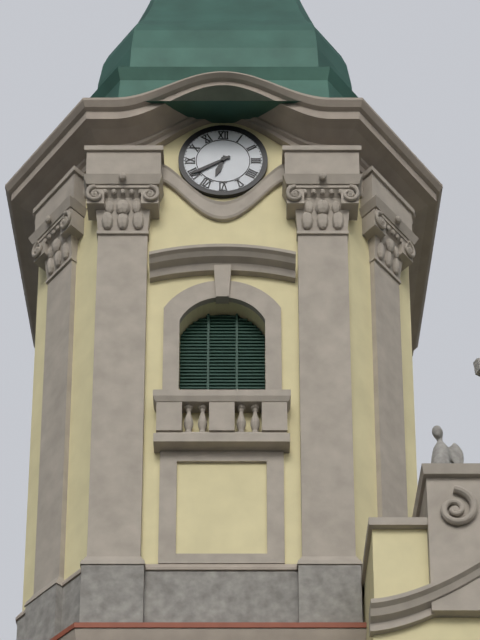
{"hour": 6, "minute": 40}
